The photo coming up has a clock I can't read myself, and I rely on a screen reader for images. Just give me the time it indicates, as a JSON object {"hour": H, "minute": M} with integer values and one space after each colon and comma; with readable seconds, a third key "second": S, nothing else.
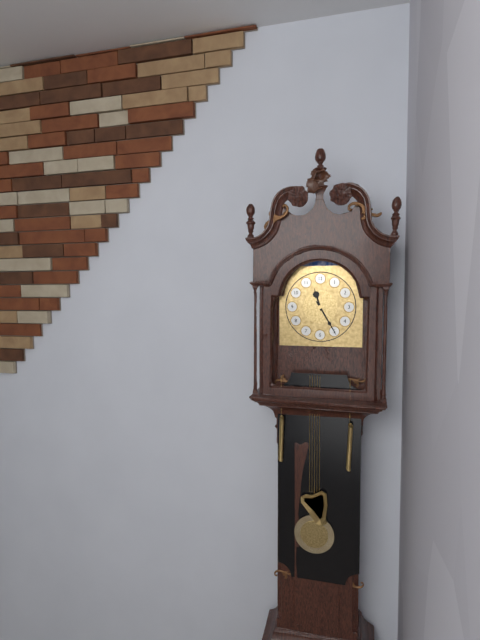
{"hour": 11, "minute": 25}
